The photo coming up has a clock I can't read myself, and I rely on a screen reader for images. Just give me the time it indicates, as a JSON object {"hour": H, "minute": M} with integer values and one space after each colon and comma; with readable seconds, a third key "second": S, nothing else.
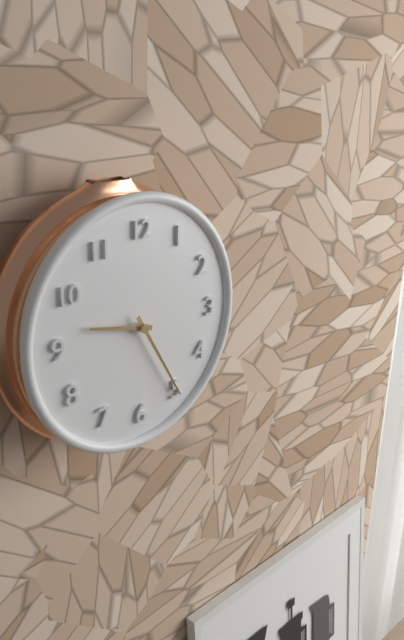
{"hour": 9, "minute": 25}
